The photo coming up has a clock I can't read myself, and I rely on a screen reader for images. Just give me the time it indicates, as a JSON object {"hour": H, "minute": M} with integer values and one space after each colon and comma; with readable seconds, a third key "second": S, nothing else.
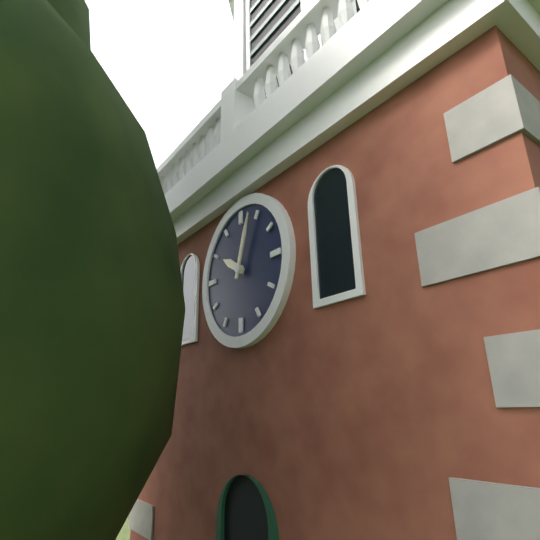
{"hour": 10, "minute": 3}
